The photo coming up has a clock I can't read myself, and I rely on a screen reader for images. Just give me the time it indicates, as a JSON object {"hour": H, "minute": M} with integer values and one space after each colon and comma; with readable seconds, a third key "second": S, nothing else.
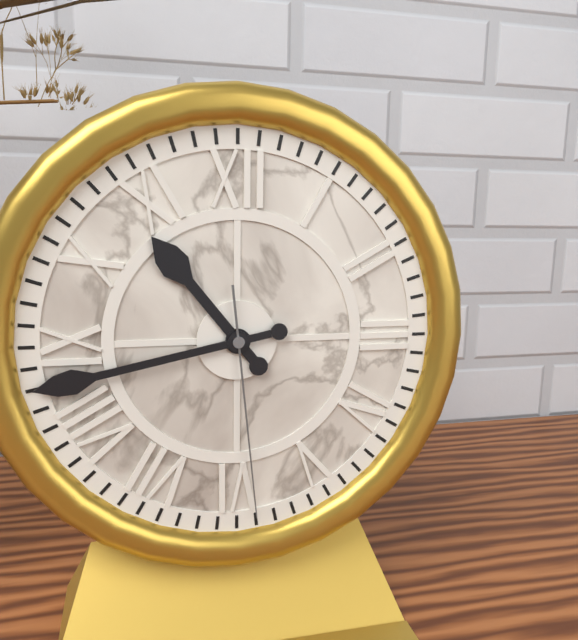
{"hour": 10, "minute": 43, "second": 29}
